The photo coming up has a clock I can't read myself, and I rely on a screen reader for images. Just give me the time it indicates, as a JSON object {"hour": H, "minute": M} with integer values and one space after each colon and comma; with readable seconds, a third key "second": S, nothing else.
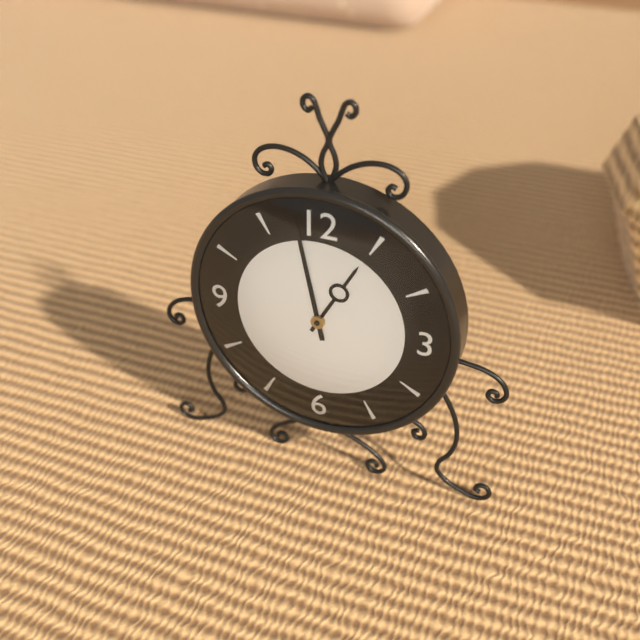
{"hour": 12, "minute": 58}
